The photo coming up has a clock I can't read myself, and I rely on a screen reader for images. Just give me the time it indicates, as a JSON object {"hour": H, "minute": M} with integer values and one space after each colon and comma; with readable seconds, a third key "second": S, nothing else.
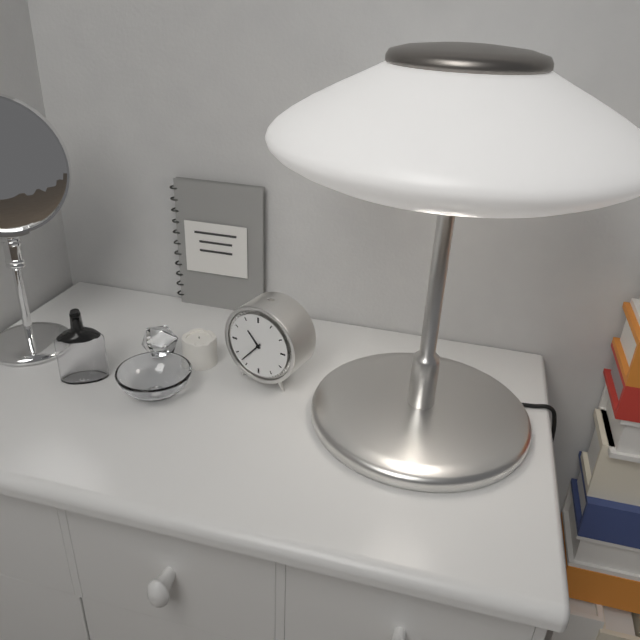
{"hour": 10, "minute": 37}
